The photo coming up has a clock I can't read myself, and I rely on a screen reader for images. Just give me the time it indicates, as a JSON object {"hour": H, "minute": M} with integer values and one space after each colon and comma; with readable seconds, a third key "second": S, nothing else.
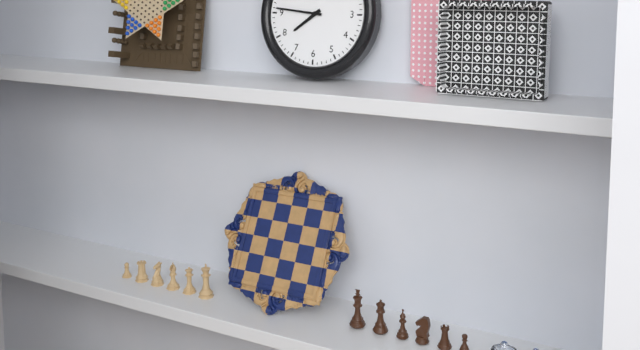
{"hour": 7, "minute": 46}
